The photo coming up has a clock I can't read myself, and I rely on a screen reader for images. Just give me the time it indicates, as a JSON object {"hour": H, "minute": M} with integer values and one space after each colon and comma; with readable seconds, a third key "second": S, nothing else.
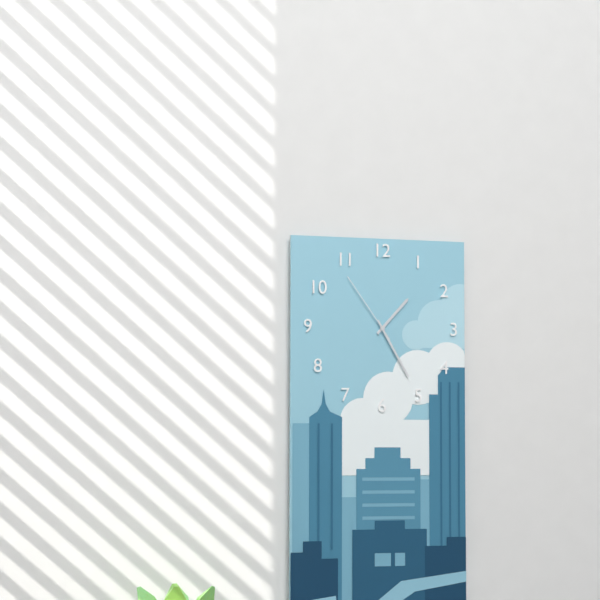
{"hour": 1, "minute": 25, "second": 54}
